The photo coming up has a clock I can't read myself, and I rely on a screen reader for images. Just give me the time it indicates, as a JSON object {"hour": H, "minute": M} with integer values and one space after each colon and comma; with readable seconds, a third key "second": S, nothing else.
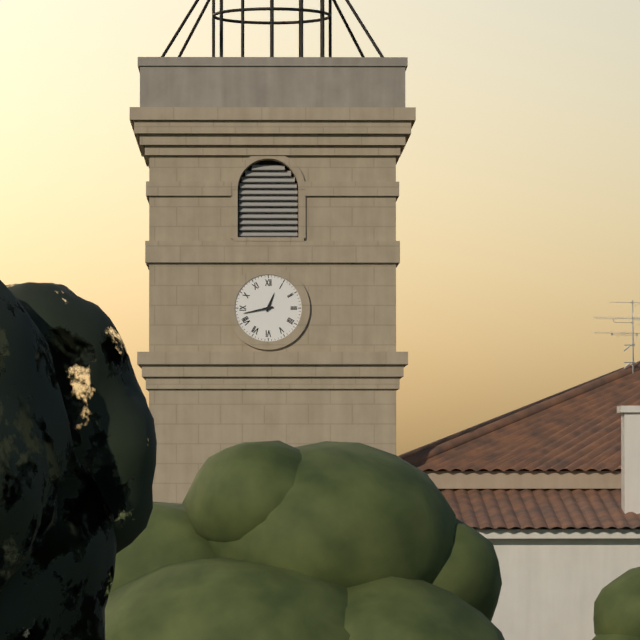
{"hour": 12, "minute": 43}
